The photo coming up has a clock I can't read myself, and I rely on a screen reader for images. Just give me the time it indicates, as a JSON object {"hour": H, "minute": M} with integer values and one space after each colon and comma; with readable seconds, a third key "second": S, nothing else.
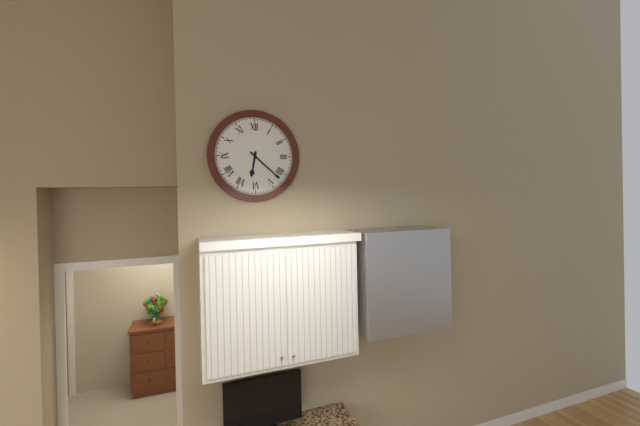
{"hour": 6, "minute": 22}
